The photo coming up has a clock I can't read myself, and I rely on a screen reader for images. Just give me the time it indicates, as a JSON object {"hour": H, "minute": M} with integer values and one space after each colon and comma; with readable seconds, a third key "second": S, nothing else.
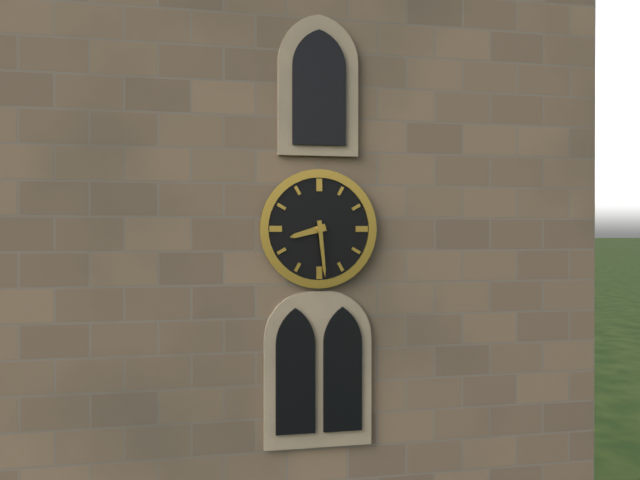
{"hour": 8, "minute": 29}
